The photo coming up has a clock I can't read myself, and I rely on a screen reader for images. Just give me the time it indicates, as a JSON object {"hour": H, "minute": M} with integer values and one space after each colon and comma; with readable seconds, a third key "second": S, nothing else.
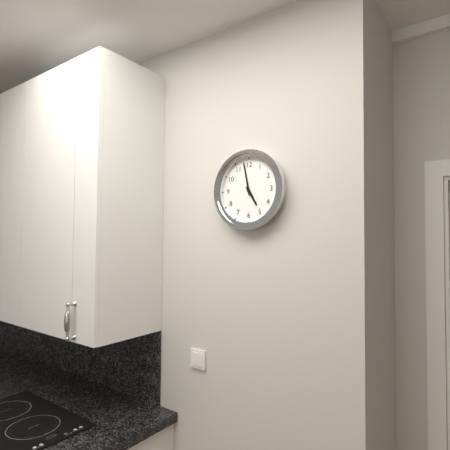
{"hour": 4, "minute": 58}
